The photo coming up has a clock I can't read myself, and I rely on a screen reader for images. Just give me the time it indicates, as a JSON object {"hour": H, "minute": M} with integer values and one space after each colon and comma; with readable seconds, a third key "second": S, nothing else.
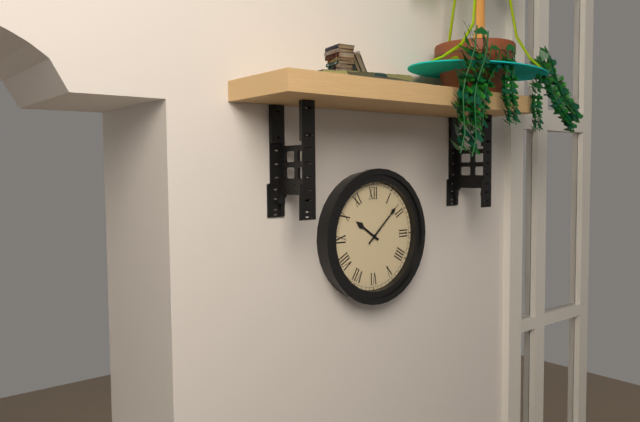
{"hour": 10, "minute": 8}
